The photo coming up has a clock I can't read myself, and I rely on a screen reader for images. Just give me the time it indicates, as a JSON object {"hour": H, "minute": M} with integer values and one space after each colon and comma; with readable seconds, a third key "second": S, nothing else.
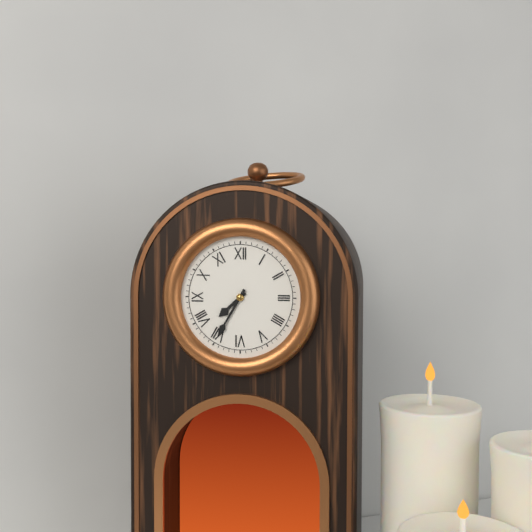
{"hour": 7, "minute": 35}
